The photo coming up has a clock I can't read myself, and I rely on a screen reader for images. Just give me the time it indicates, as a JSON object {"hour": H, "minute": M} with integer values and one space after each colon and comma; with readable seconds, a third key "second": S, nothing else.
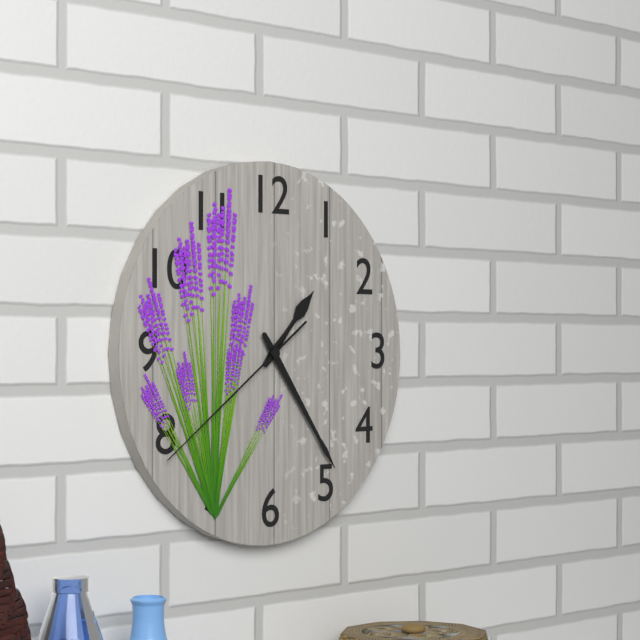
{"hour": 1, "minute": 24, "second": 39}
